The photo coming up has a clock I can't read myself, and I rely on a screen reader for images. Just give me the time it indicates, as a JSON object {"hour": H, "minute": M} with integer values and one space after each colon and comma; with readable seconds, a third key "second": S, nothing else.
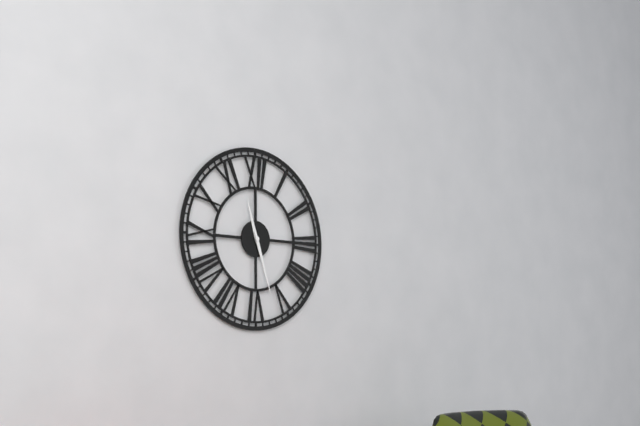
{"hour": 11, "minute": 27}
